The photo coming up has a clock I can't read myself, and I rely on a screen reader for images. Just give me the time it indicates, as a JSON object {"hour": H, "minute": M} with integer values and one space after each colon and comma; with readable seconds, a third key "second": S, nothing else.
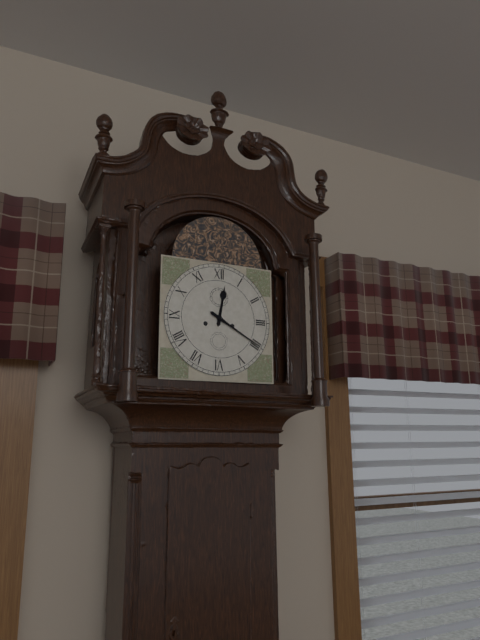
{"hour": 12, "minute": 20}
